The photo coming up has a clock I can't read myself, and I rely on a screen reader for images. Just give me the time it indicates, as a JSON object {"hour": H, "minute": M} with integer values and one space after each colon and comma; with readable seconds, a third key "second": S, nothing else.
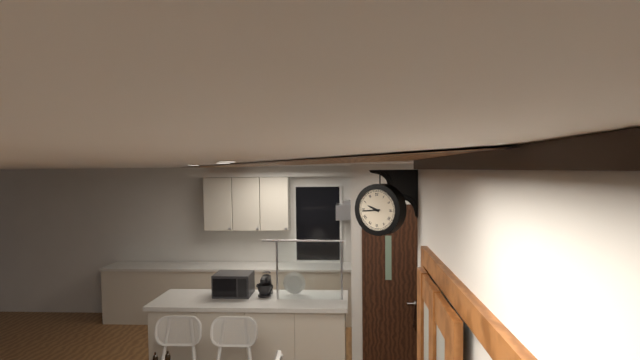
{"hour": 9, "minute": 44}
